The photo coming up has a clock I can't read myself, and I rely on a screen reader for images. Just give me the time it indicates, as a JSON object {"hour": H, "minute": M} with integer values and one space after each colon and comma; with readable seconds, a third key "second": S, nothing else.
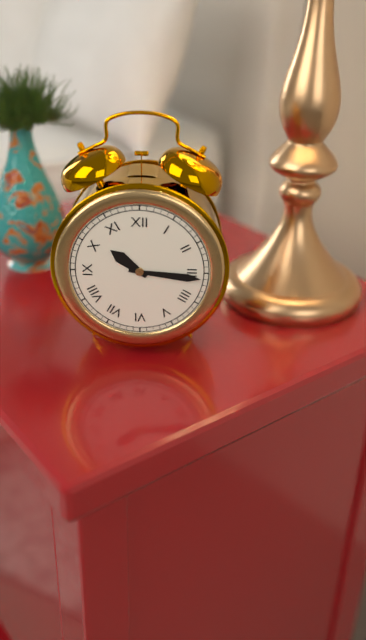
{"hour": 10, "minute": 16}
